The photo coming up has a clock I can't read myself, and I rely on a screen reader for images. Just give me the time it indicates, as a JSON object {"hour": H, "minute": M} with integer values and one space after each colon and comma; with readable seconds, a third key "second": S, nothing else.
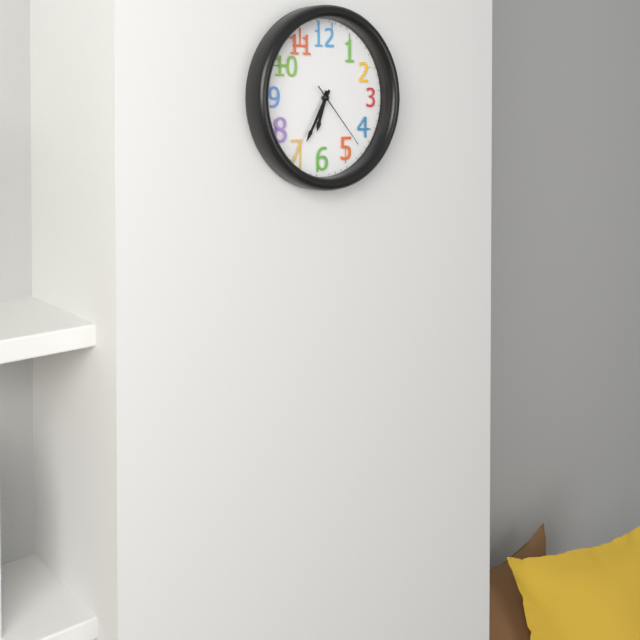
{"hour": 6, "minute": 35, "second": 23}
